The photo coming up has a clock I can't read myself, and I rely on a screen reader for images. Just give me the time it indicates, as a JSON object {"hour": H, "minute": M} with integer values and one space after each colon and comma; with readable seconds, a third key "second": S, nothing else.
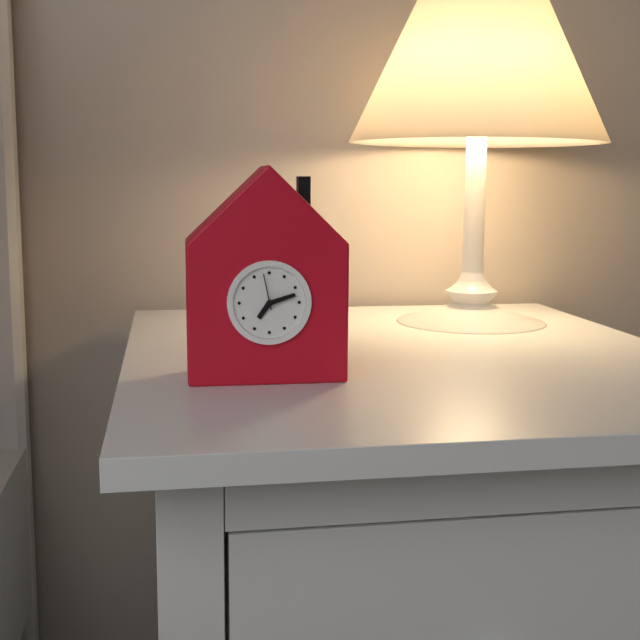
{"hour": 7, "minute": 12}
